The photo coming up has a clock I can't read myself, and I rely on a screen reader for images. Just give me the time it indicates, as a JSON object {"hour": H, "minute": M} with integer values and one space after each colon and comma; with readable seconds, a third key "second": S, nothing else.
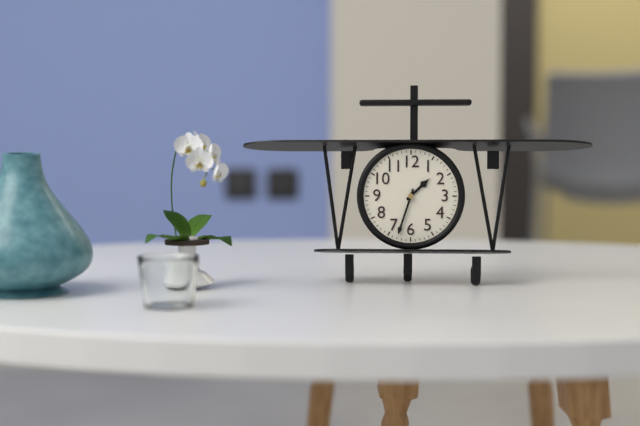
{"hour": 1, "minute": 33}
